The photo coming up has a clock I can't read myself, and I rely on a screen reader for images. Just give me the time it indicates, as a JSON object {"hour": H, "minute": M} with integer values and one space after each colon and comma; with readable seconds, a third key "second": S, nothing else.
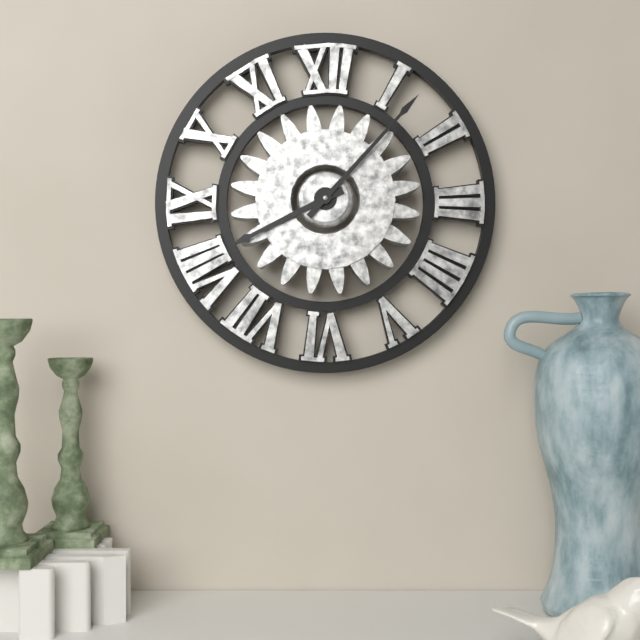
{"hour": 8, "minute": 7}
